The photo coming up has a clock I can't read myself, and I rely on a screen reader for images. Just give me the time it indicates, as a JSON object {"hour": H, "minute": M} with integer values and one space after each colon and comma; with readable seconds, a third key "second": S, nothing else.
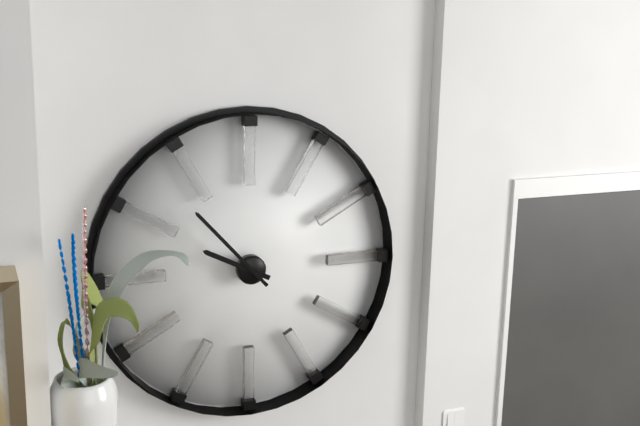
{"hour": 9, "minute": 53}
